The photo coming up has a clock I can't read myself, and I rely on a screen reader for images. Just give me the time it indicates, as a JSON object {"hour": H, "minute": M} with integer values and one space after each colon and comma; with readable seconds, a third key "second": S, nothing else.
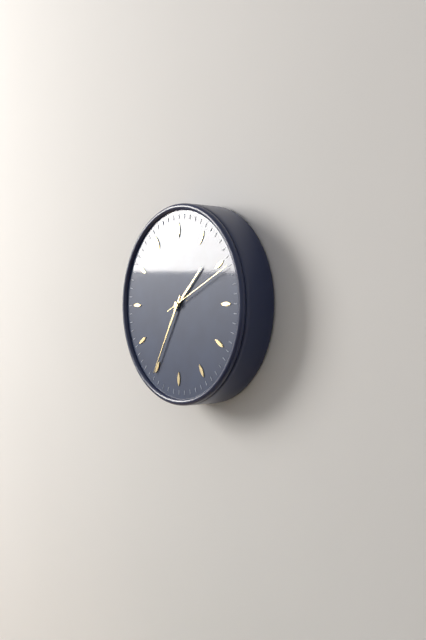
{"hour": 1, "minute": 35, "second": 11}
